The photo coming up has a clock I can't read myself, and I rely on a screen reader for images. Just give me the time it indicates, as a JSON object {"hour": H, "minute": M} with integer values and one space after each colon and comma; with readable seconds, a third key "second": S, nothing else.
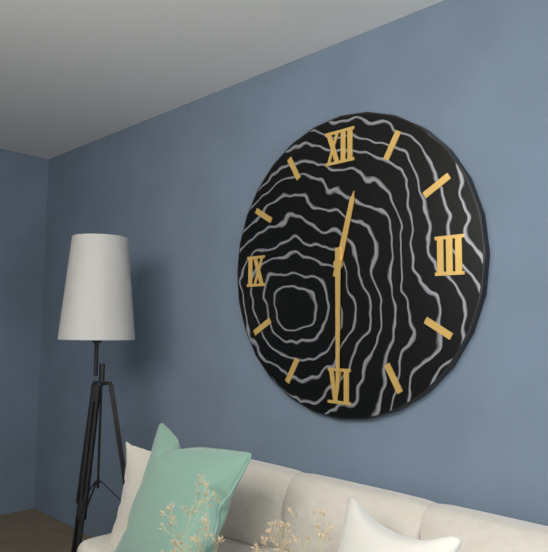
{"hour": 12, "minute": 30}
